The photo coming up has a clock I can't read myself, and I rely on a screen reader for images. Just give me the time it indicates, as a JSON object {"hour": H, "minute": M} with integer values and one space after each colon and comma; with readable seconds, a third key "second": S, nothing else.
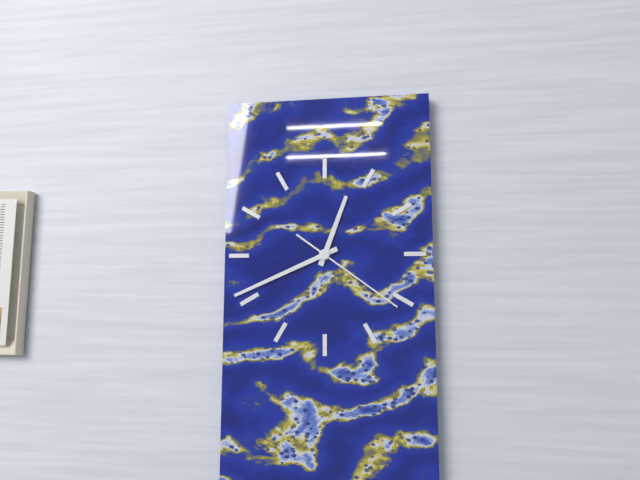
{"hour": 12, "minute": 41, "second": 21}
